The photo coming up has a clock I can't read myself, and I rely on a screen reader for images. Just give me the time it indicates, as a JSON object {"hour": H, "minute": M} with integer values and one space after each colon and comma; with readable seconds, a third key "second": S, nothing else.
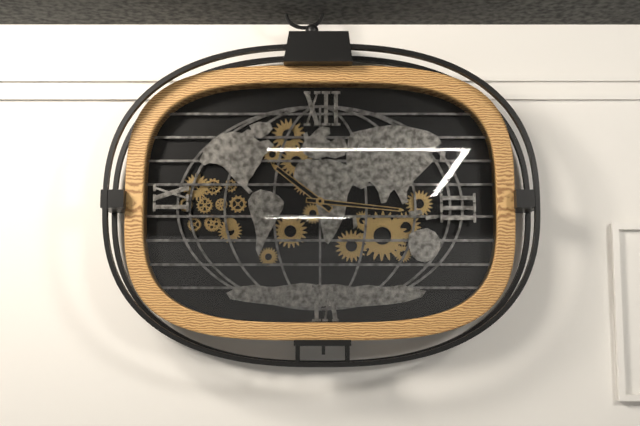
{"hour": 10, "minute": 16}
